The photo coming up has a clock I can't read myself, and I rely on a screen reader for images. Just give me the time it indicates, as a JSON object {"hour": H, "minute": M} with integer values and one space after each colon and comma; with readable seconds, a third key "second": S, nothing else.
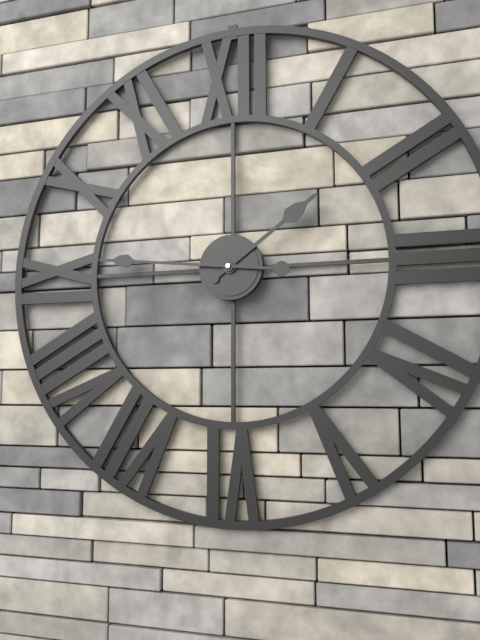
{"hour": 1, "minute": 46}
